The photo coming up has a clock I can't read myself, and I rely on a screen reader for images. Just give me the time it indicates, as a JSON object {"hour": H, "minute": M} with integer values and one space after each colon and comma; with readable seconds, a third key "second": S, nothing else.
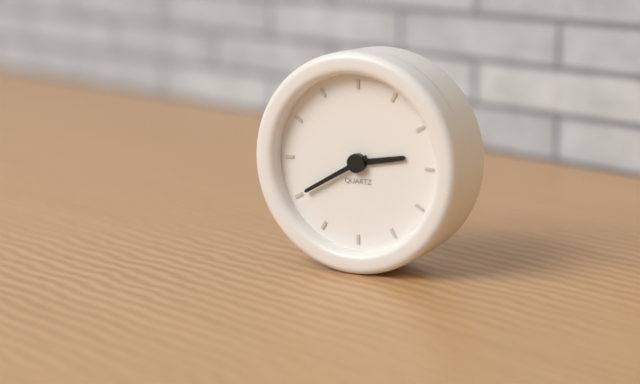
{"hour": 2, "minute": 40}
